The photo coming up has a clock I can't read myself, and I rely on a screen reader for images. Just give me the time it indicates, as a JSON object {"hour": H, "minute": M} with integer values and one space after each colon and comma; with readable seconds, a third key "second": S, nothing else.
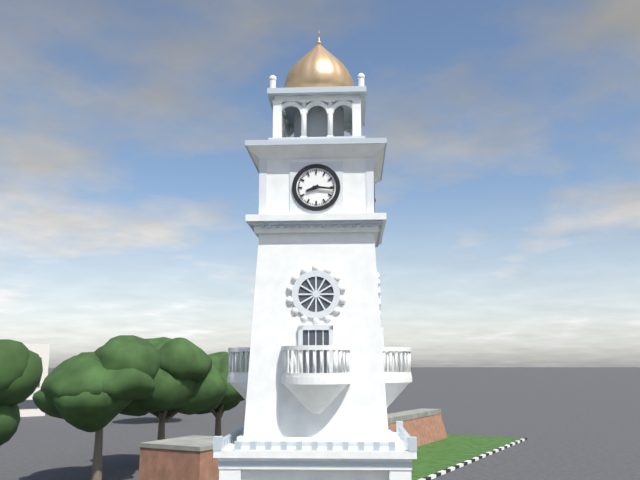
{"hour": 8, "minute": 16}
